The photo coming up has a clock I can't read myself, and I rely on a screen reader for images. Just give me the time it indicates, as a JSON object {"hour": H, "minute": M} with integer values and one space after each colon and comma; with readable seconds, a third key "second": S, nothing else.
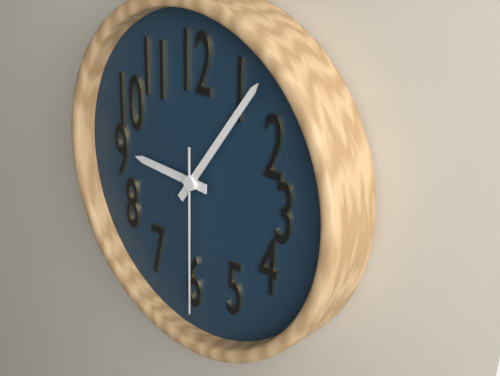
{"hour": 9, "minute": 6, "second": 30}
